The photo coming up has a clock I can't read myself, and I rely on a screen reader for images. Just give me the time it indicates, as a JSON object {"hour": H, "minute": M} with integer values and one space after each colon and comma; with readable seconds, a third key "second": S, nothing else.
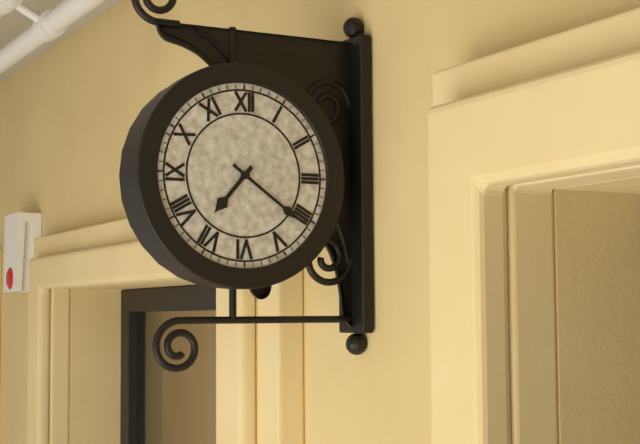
{"hour": 7, "minute": 21}
